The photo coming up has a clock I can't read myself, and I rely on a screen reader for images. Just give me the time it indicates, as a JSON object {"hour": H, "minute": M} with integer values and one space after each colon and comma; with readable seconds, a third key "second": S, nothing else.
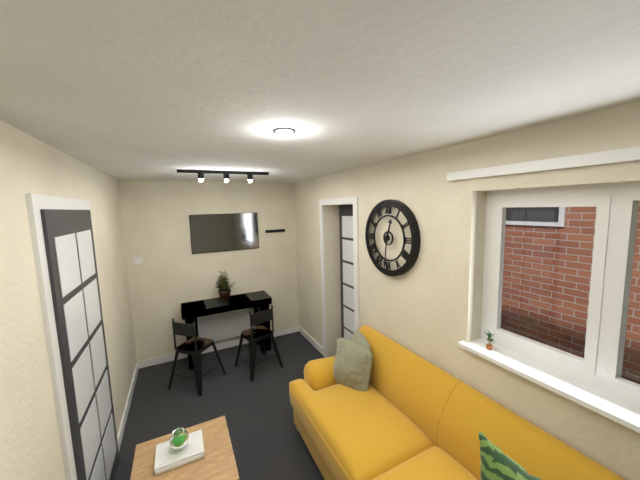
{"hour": 12, "minute": 31}
